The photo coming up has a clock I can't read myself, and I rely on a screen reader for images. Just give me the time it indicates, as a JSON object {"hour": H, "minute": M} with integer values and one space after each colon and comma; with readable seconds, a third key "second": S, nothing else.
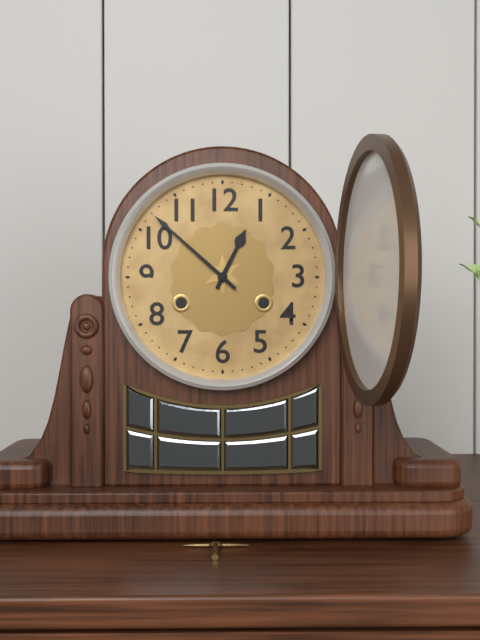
{"hour": 12, "minute": 52}
